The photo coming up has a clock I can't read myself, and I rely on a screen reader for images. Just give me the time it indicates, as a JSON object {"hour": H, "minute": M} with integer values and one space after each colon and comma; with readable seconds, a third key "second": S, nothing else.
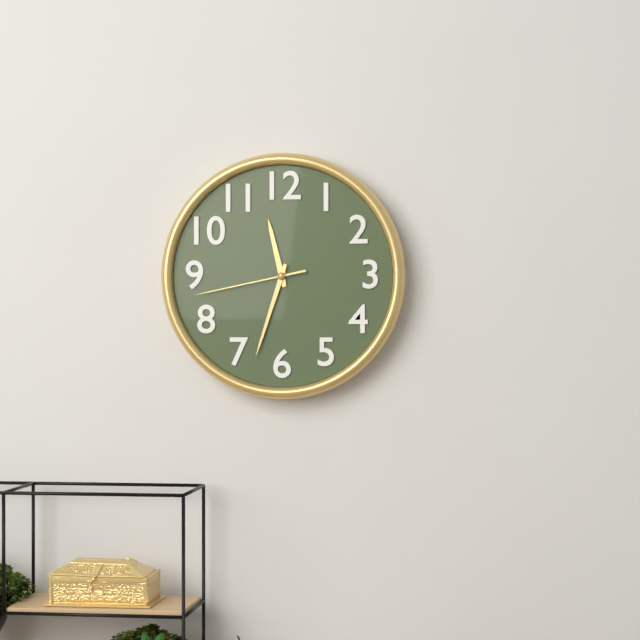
{"hour": 11, "minute": 33, "second": 43}
